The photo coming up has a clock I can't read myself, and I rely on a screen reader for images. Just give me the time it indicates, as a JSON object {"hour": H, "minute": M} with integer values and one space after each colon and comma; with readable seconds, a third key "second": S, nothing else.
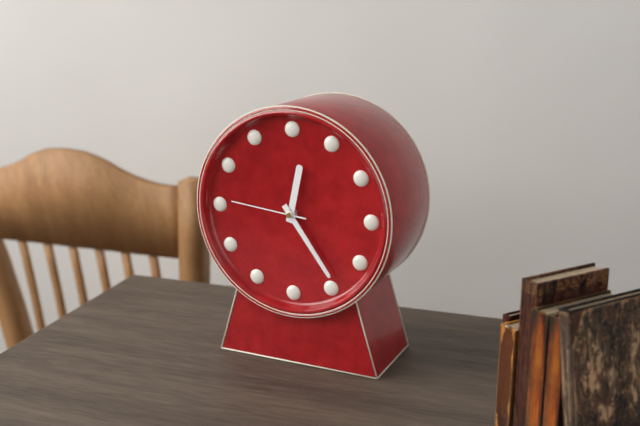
{"hour": 12, "minute": 24, "second": 46}
